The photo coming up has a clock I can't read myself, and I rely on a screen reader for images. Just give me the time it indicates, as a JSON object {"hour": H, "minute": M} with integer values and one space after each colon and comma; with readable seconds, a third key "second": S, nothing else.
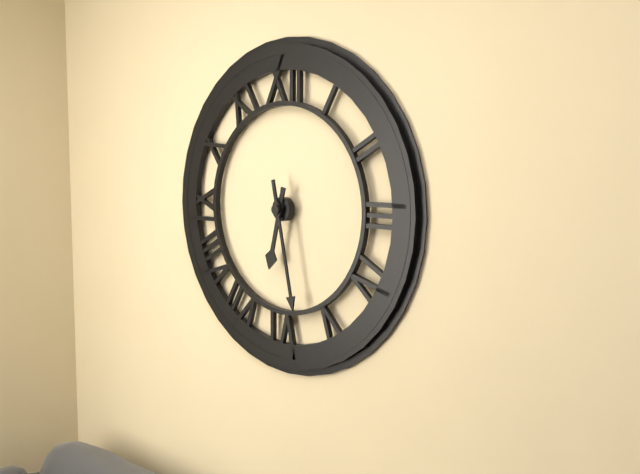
{"hour": 6, "minute": 28}
